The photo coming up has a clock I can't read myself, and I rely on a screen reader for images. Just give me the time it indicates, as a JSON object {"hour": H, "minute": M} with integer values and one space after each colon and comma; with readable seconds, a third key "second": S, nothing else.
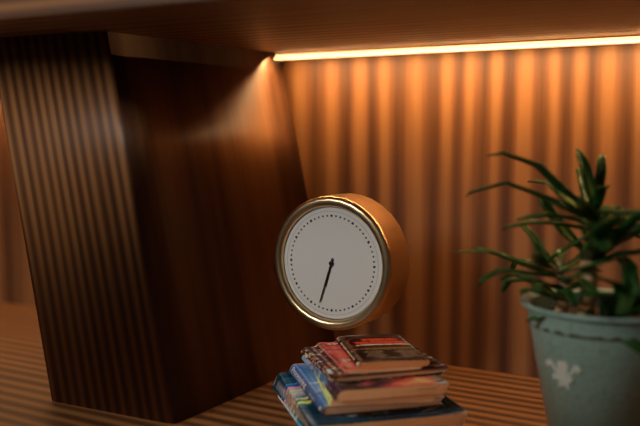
{"hour": 6, "minute": 33}
